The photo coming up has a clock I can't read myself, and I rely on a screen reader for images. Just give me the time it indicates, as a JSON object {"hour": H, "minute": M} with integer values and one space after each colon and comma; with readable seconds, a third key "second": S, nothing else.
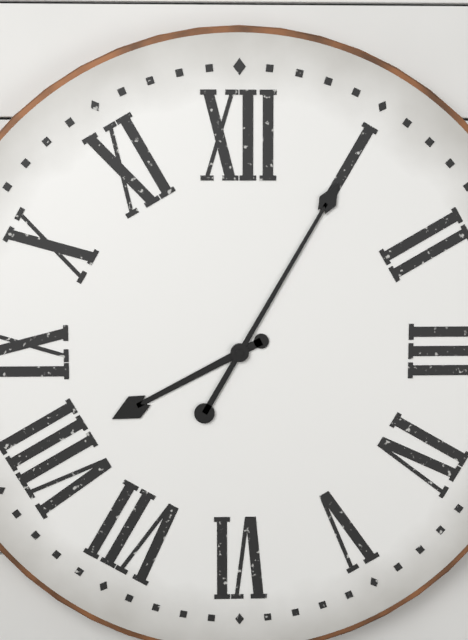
{"hour": 8, "minute": 5}
